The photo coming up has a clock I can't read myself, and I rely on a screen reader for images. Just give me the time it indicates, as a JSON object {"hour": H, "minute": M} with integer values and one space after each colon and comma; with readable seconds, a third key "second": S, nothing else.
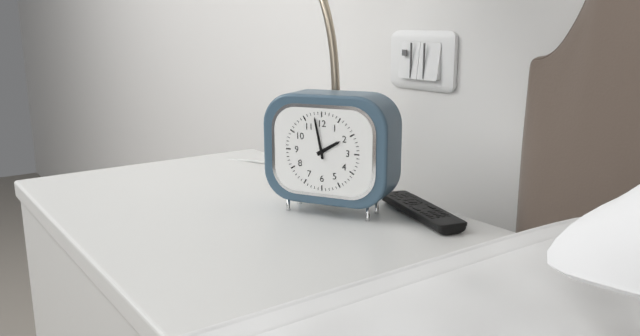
{"hour": 1, "minute": 58}
